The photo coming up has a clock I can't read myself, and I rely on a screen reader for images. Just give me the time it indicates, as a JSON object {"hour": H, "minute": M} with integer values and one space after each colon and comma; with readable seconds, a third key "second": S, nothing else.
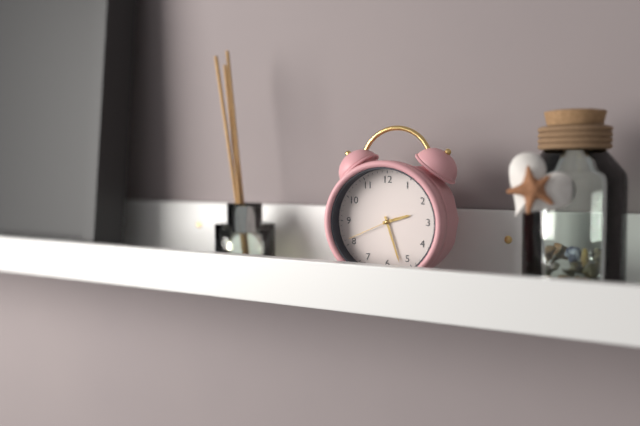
{"hour": 2, "minute": 27, "second": 41}
